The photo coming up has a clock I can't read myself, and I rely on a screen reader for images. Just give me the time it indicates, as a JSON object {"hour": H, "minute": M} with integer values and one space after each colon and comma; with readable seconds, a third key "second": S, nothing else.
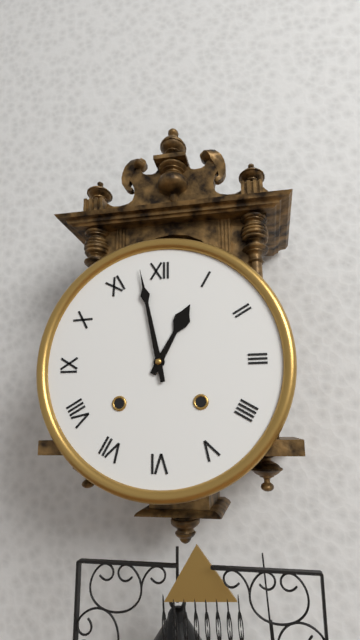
{"hour": 12, "minute": 58}
